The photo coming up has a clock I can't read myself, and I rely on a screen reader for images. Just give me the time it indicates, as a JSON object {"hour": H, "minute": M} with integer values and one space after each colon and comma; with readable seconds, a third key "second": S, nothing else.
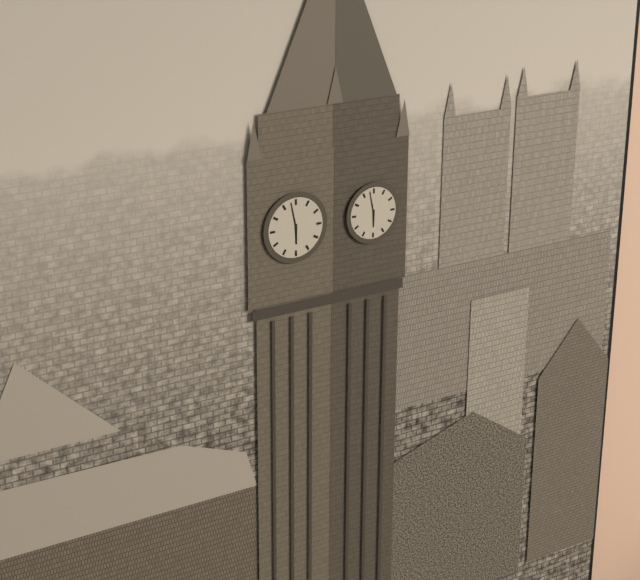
{"hour": 5, "minute": 58}
